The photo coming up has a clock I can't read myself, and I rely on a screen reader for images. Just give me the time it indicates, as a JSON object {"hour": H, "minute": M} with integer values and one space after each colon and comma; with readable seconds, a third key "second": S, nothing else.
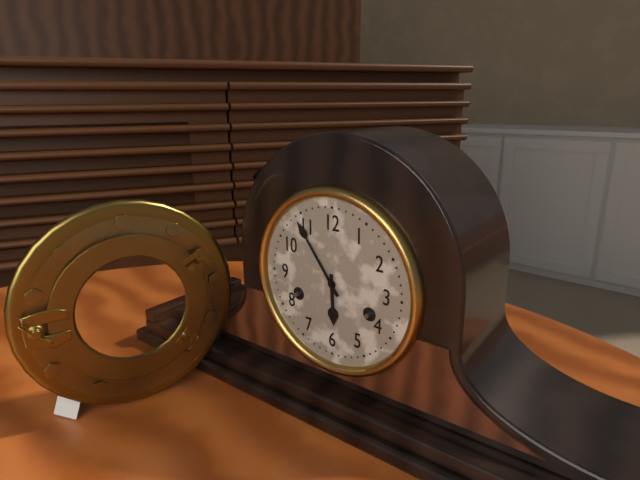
{"hour": 5, "minute": 54}
